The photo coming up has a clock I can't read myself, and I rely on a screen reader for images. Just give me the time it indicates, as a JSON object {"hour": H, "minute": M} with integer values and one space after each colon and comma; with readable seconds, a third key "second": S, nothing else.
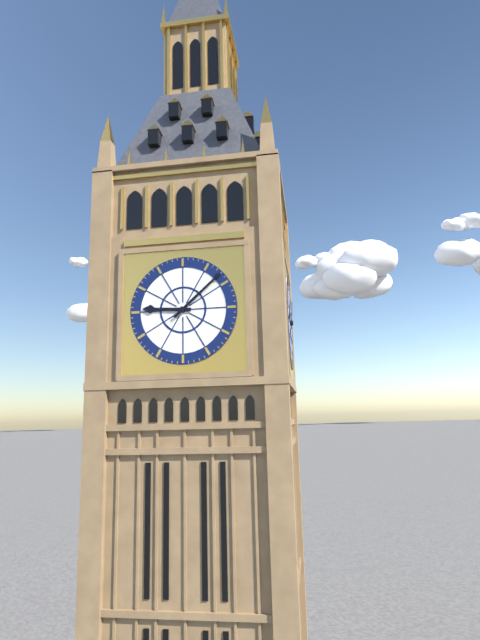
{"hour": 9, "minute": 8}
